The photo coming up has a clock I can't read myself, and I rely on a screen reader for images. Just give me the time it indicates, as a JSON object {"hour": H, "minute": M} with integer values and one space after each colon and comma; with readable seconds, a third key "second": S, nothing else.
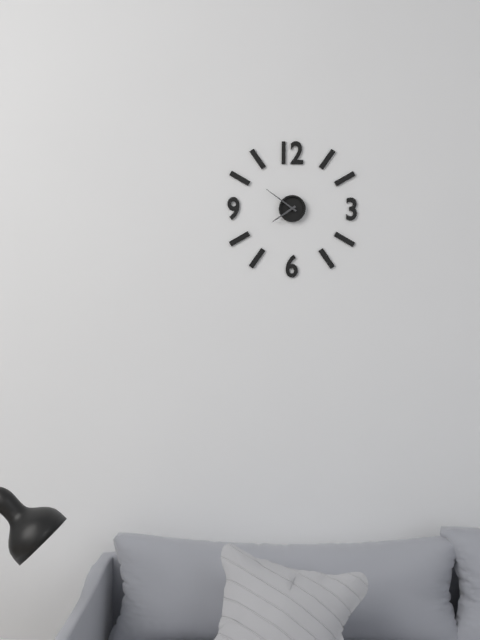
{"hour": 7, "minute": 51}
